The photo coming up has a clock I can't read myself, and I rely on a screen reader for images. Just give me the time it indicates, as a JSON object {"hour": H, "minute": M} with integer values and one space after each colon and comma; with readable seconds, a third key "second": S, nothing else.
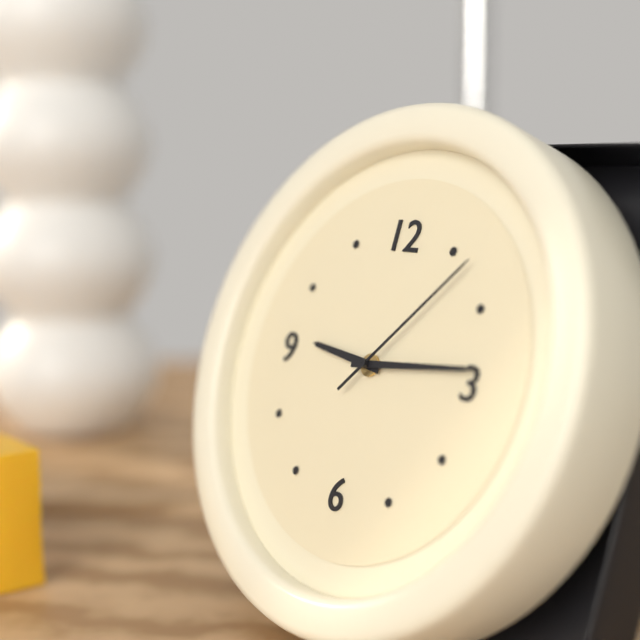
{"hour": 9, "minute": 14, "second": 7}
